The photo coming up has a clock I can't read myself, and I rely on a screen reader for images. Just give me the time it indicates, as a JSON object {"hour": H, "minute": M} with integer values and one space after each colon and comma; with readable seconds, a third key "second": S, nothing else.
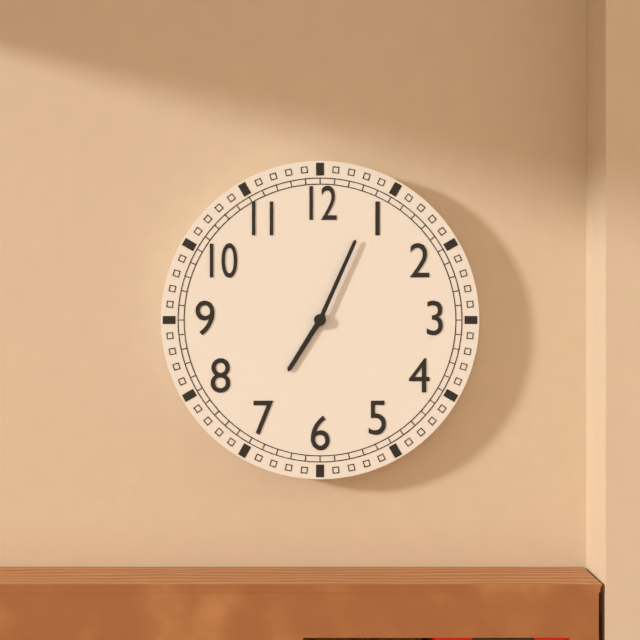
{"hour": 7, "minute": 4}
